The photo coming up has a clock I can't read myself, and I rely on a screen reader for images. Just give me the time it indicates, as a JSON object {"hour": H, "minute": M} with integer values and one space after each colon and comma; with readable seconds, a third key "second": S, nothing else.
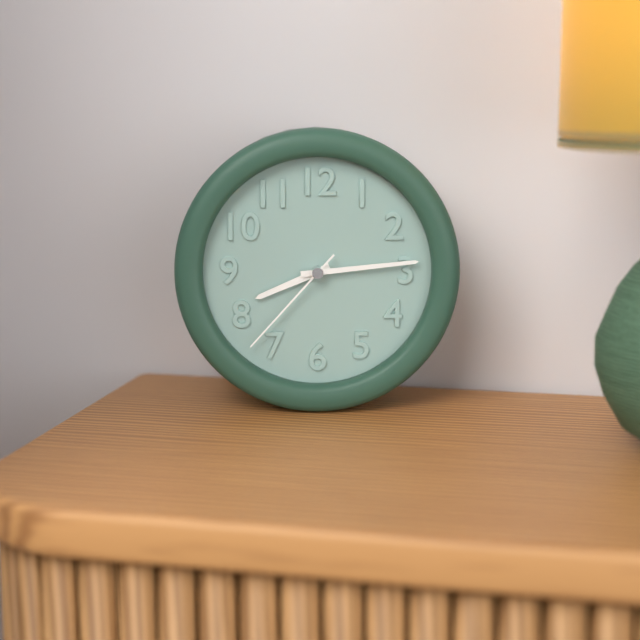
{"hour": 8, "minute": 14, "second": 37}
